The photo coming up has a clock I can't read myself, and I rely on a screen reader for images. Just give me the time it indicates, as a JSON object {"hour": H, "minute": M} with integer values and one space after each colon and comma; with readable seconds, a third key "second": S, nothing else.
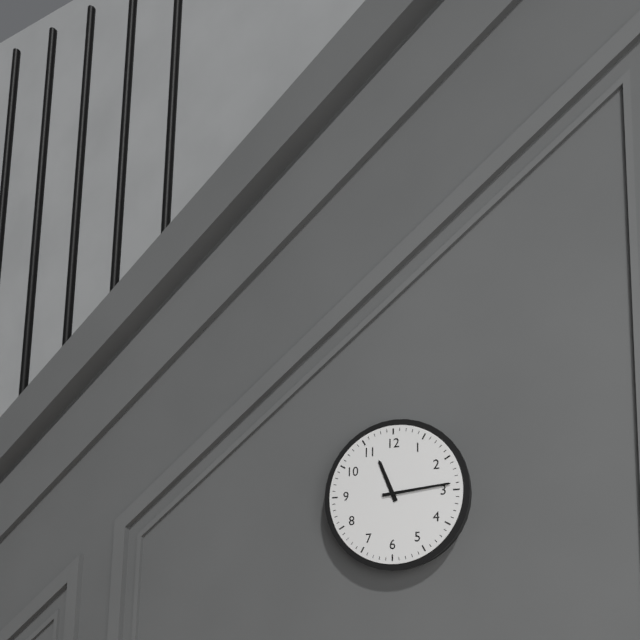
{"hour": 11, "minute": 14}
